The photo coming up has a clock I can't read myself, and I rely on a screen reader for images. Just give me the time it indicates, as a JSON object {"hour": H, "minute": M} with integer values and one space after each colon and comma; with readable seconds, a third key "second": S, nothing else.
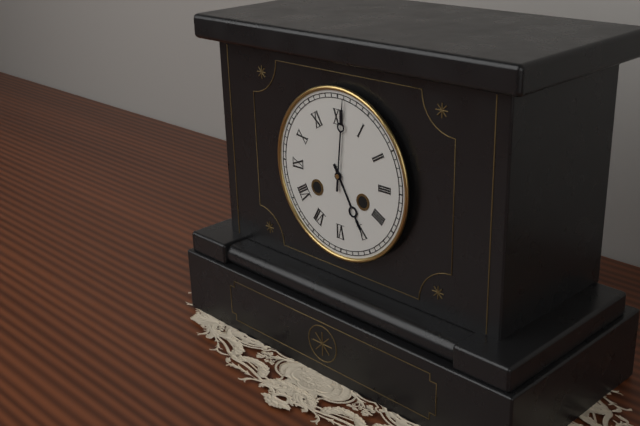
{"hour": 5, "minute": 1}
